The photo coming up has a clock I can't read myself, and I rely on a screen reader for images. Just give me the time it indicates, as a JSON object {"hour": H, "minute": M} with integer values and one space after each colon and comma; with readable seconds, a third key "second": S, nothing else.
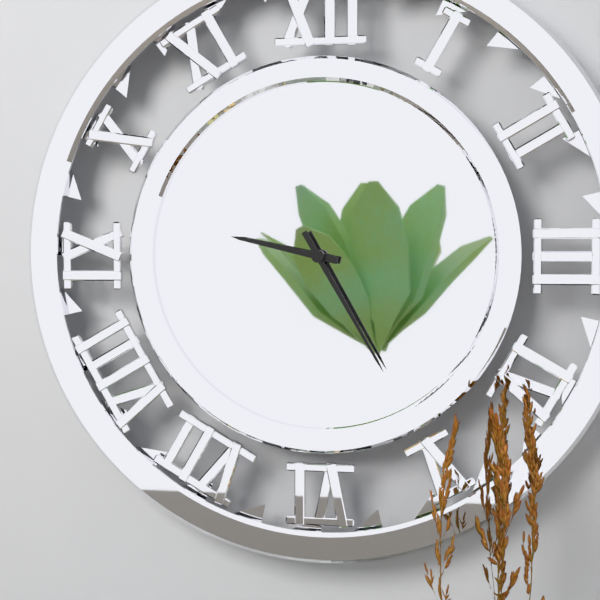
{"hour": 9, "minute": 25}
